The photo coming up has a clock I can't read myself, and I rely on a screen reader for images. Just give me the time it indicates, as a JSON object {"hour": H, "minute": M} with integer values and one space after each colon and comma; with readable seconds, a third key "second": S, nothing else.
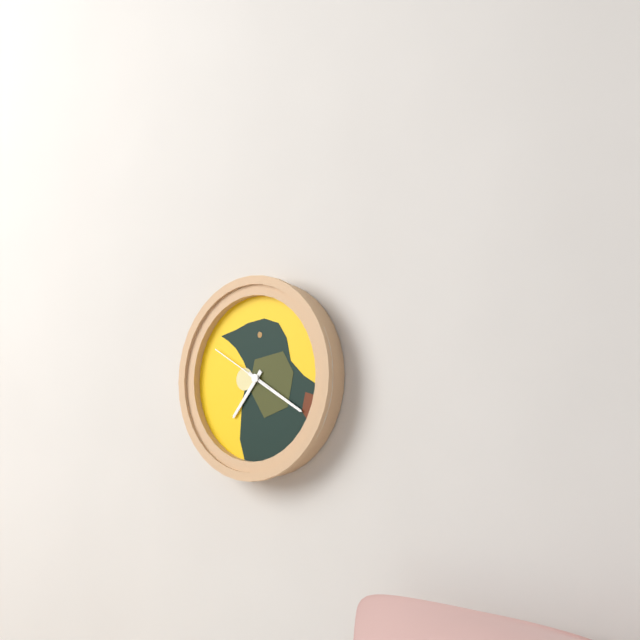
{"hour": 7, "minute": 20, "second": 50}
